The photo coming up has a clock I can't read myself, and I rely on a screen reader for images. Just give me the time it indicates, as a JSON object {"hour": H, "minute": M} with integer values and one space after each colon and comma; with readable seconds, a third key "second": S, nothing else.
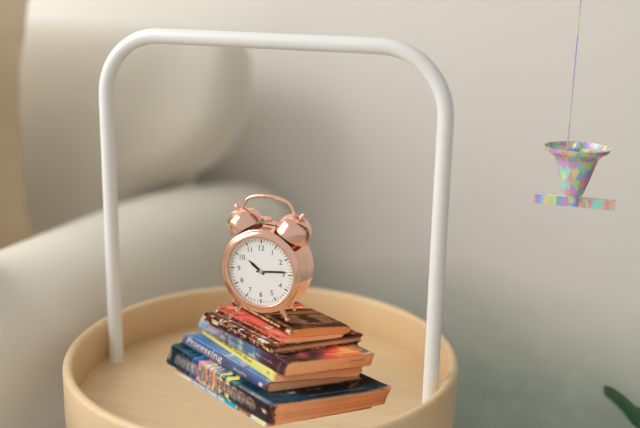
{"hour": 10, "minute": 14}
